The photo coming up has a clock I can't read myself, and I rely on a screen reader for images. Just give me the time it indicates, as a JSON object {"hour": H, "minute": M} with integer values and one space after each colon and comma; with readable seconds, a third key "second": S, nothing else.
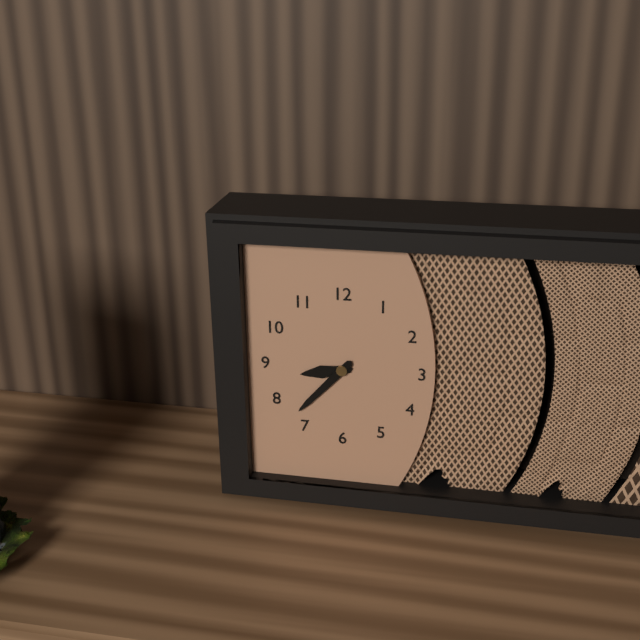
{"hour": 8, "minute": 37}
